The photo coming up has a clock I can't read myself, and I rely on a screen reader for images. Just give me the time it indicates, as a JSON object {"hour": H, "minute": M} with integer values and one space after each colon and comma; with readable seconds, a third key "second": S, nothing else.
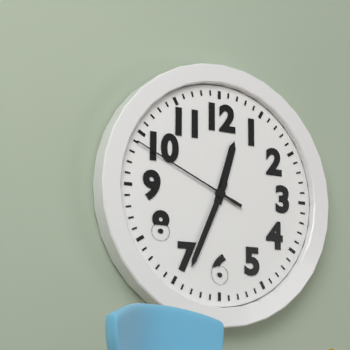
{"hour": 12, "minute": 34, "second": 49}
